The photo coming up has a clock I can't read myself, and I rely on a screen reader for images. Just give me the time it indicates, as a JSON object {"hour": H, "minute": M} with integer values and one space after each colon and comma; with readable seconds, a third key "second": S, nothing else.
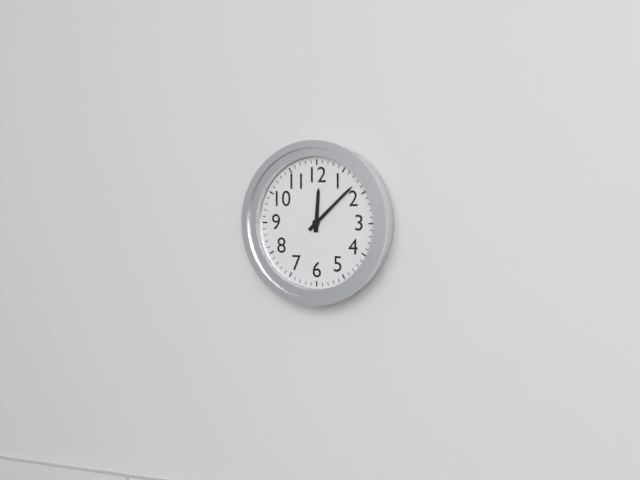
{"hour": 12, "minute": 8}
